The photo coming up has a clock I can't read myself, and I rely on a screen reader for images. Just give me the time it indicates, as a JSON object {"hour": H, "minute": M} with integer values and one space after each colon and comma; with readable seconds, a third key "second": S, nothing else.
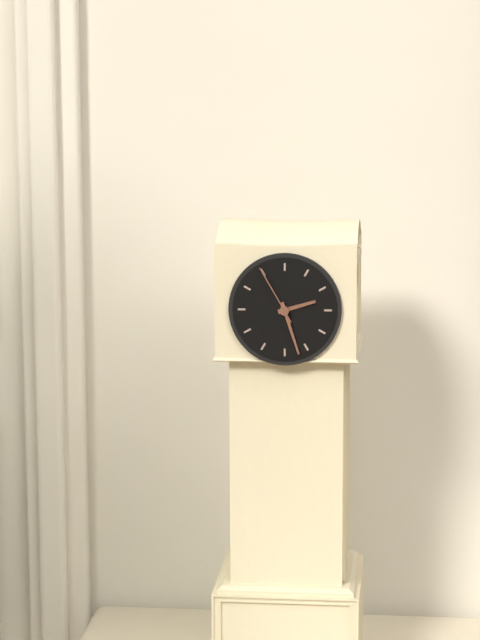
{"hour": 2, "minute": 27, "second": 55}
